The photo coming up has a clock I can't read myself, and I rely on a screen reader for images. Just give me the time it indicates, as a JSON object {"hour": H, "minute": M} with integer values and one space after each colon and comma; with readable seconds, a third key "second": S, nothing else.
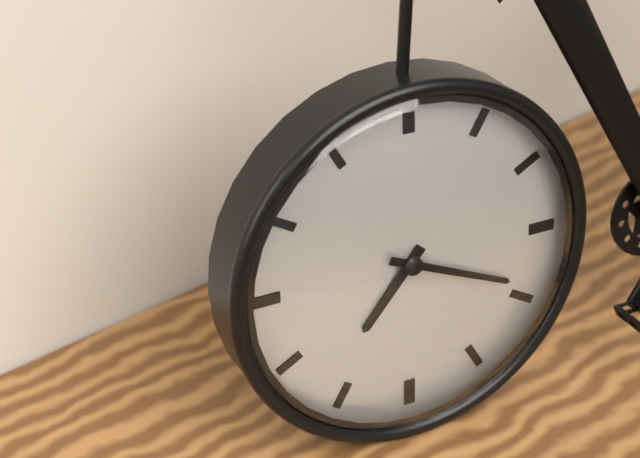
{"hour": 7, "minute": 19}
